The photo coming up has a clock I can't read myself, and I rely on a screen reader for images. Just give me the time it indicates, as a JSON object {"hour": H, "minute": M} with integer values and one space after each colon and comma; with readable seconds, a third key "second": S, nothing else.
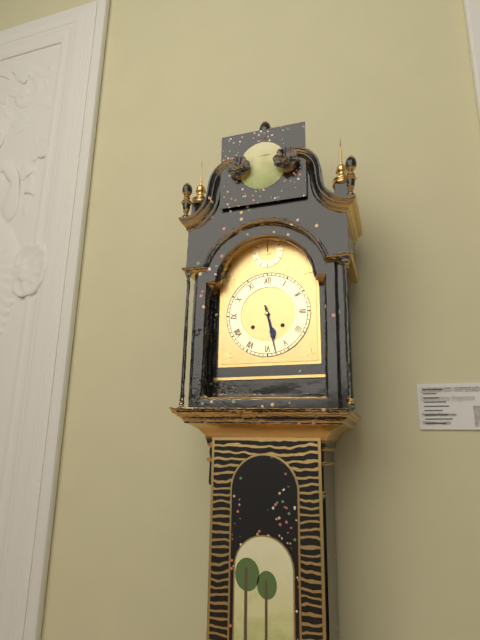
{"hour": 5, "minute": 28}
